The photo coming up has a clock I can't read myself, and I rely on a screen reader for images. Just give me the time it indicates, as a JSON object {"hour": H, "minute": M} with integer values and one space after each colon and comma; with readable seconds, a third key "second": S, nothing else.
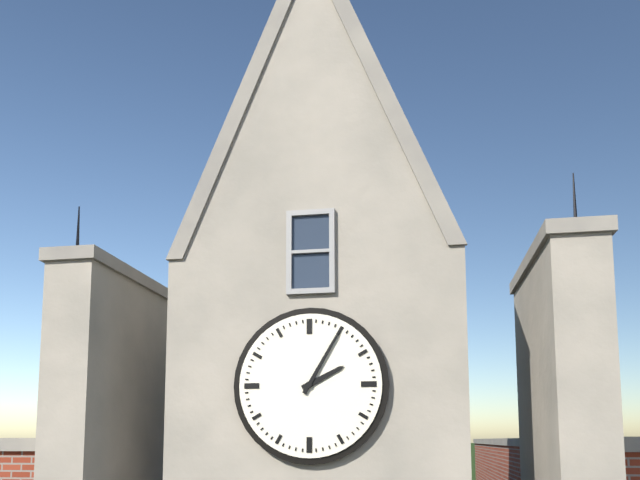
{"hour": 2, "minute": 5}
